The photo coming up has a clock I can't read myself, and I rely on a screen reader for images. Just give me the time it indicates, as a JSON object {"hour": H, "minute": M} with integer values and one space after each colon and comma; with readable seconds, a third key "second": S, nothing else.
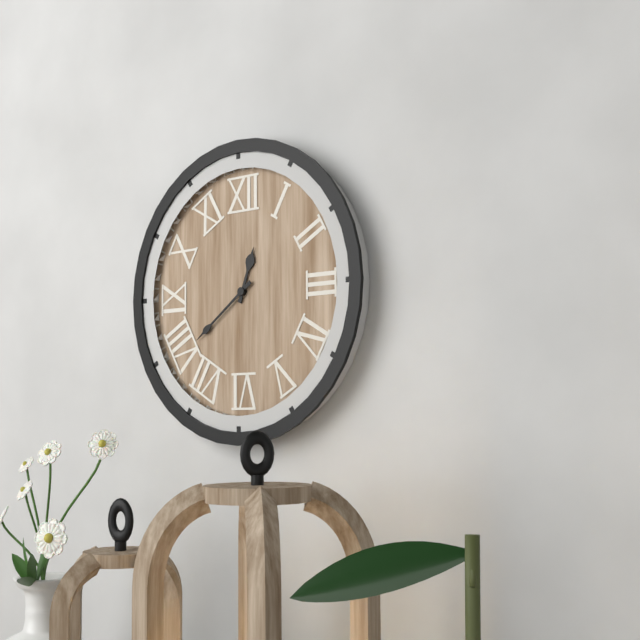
{"hour": 12, "minute": 39}
